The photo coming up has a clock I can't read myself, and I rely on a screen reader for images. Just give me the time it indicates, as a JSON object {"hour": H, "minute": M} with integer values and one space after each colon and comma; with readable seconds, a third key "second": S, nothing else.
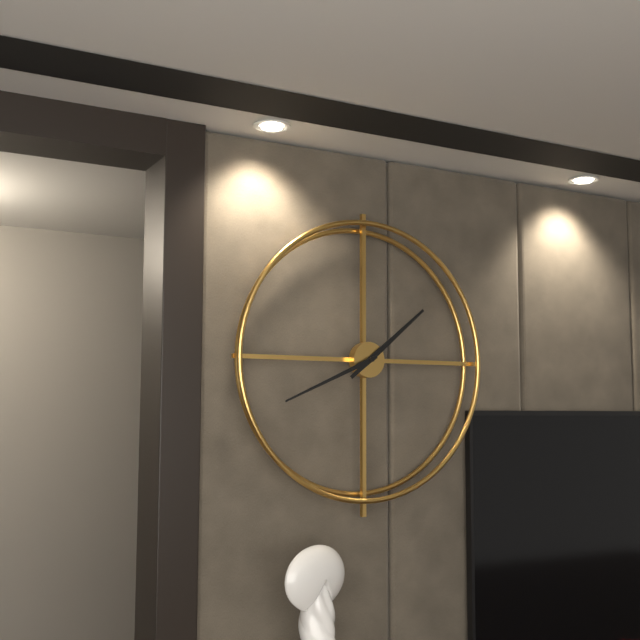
{"hour": 1, "minute": 41}
